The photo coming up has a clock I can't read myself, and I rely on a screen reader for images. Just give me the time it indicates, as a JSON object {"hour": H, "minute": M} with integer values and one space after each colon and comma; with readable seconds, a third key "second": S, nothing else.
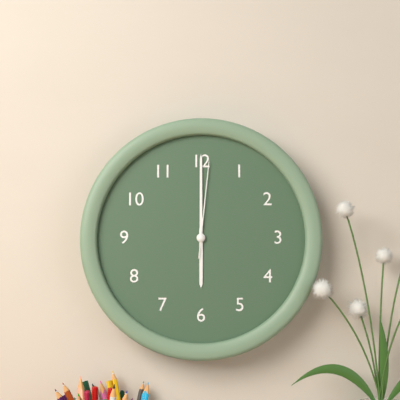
{"hour": 6, "minute": 0, "second": 1}
